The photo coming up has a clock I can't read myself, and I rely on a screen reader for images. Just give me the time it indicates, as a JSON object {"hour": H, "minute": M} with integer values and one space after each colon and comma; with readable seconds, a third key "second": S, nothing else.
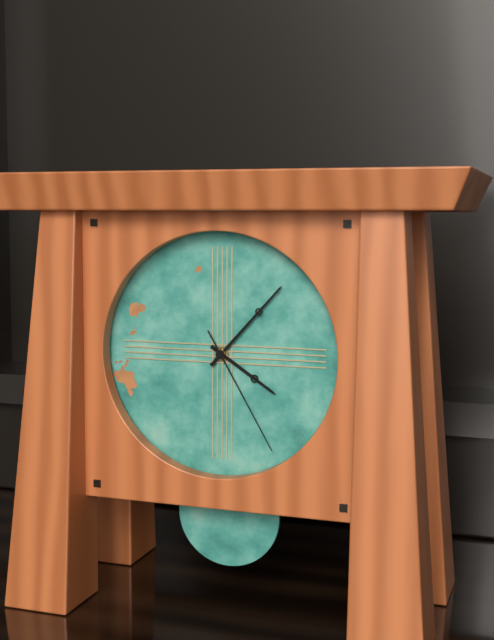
{"hour": 4, "minute": 7, "second": 25}
